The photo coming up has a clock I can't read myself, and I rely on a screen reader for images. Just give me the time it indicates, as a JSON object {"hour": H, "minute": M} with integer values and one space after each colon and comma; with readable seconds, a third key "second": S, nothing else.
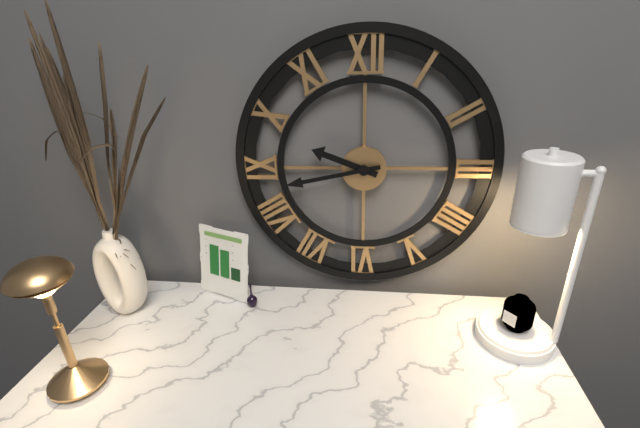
{"hour": 9, "minute": 43}
